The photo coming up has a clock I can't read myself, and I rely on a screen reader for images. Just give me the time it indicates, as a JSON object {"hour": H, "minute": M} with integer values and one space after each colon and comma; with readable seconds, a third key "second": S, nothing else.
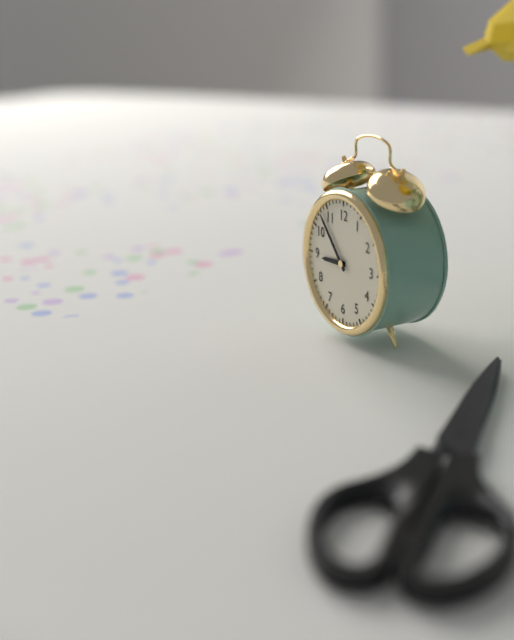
{"hour": 8, "minute": 53}
